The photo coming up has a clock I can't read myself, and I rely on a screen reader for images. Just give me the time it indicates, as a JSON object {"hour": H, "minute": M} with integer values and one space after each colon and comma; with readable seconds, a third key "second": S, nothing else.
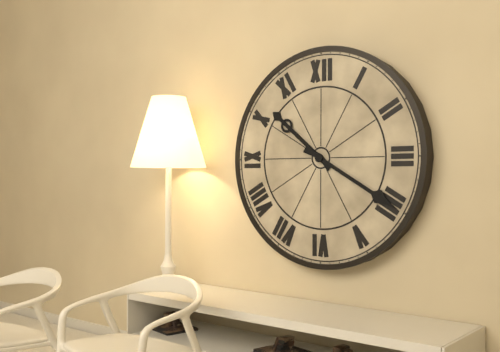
{"hour": 10, "minute": 20}
